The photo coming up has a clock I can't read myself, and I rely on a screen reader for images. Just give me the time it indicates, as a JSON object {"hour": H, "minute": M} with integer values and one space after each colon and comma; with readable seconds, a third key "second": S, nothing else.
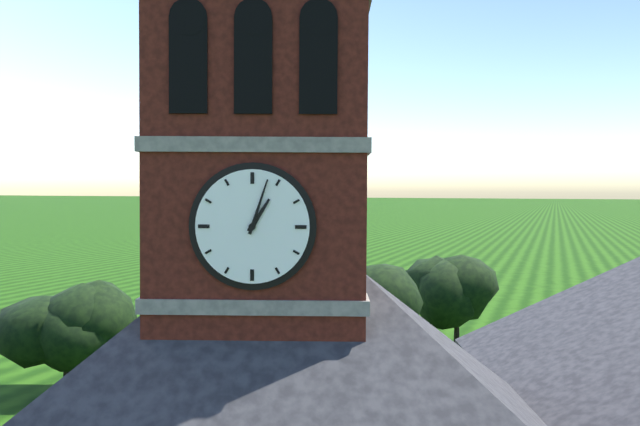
{"hour": 1, "minute": 3}
